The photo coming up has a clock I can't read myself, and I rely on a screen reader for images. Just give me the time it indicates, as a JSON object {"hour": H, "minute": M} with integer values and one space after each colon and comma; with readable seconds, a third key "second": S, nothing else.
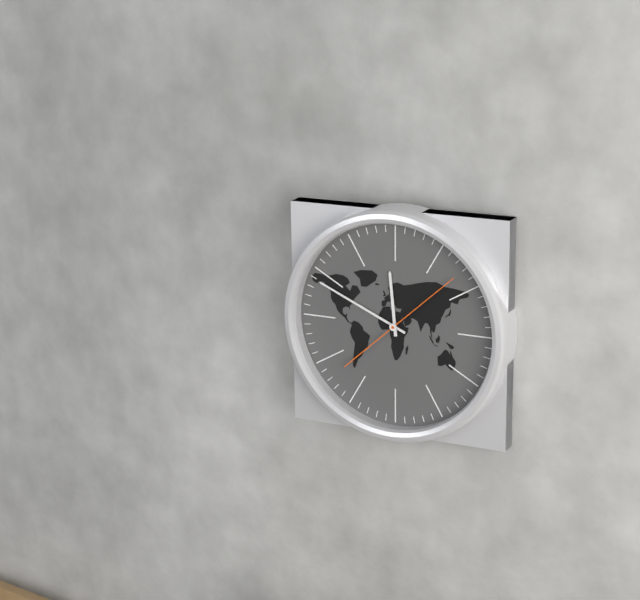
{"hour": 11, "minute": 49, "second": 8}
